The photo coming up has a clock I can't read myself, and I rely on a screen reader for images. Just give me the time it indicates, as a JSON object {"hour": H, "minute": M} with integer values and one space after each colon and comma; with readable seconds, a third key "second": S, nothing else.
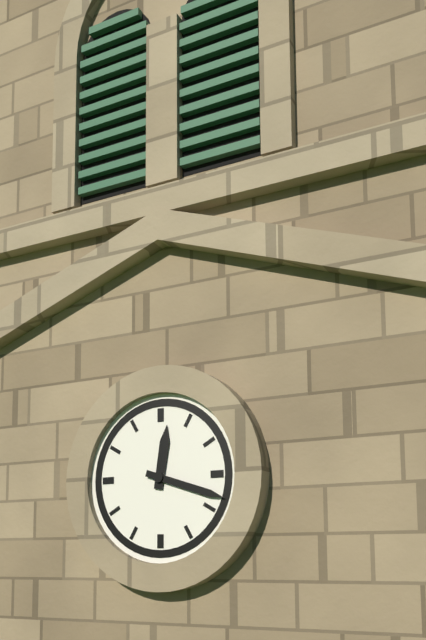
{"hour": 12, "minute": 18}
